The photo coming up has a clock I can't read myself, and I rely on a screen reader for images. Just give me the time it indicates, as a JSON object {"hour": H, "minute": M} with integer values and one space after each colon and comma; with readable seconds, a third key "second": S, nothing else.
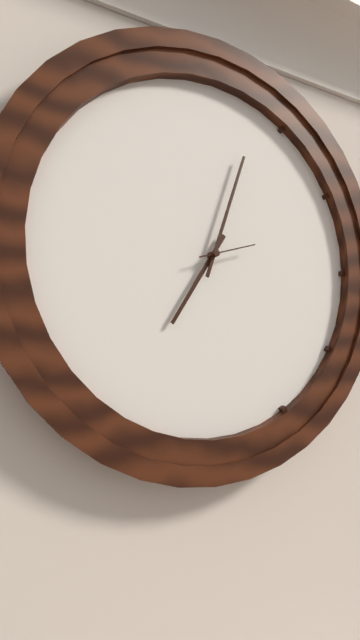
{"hour": 7, "minute": 3, "second": 12}
